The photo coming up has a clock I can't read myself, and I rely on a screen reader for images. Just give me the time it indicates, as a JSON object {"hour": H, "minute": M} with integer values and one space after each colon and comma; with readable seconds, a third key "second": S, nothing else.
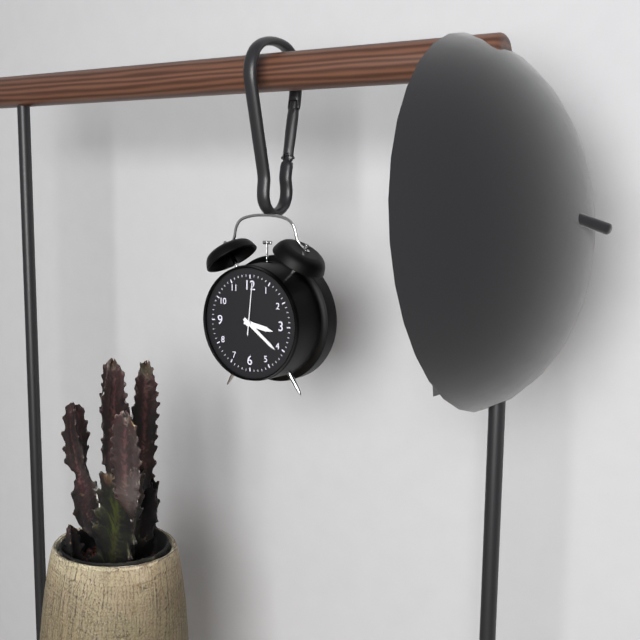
{"hour": 3, "minute": 21, "second": 1}
